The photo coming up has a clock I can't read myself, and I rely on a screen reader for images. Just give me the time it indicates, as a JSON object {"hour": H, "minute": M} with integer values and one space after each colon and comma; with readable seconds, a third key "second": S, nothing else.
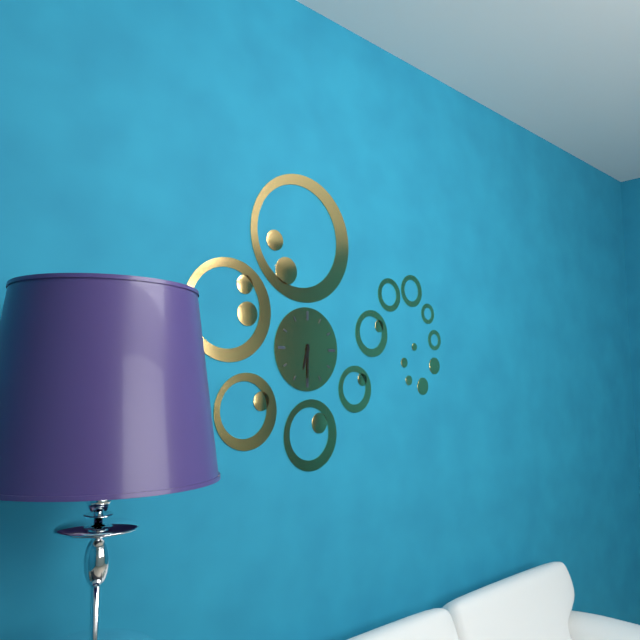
{"hour": 6, "minute": 30}
